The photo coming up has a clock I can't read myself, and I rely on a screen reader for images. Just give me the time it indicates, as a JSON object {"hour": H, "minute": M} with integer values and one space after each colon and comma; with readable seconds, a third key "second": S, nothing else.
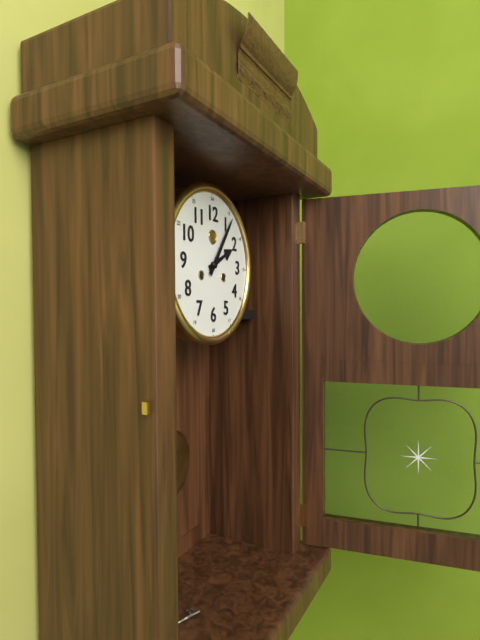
{"hour": 2, "minute": 6}
